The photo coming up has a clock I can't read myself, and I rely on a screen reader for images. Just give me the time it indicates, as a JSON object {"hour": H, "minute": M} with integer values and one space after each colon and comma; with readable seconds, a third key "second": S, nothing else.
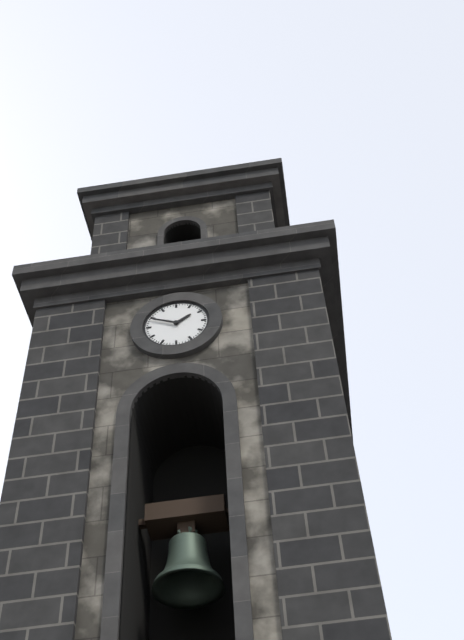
{"hour": 1, "minute": 49}
